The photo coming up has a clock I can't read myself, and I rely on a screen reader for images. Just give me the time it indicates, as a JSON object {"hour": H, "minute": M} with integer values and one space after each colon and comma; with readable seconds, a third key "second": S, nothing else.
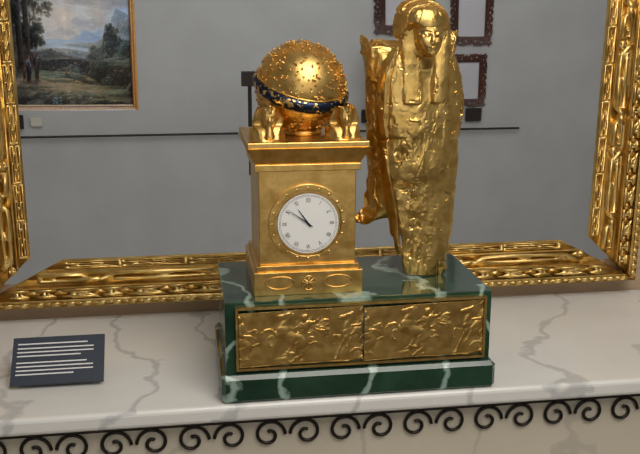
{"hour": 10, "minute": 51}
